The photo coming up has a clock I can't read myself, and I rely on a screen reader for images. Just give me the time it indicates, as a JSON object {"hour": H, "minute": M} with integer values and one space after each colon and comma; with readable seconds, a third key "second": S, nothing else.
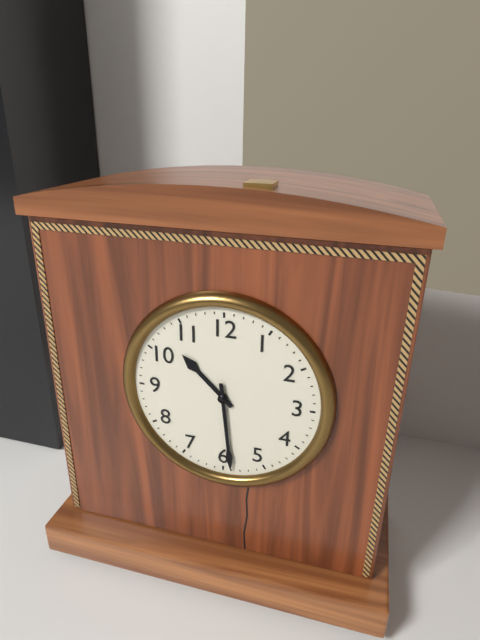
{"hour": 10, "minute": 29}
